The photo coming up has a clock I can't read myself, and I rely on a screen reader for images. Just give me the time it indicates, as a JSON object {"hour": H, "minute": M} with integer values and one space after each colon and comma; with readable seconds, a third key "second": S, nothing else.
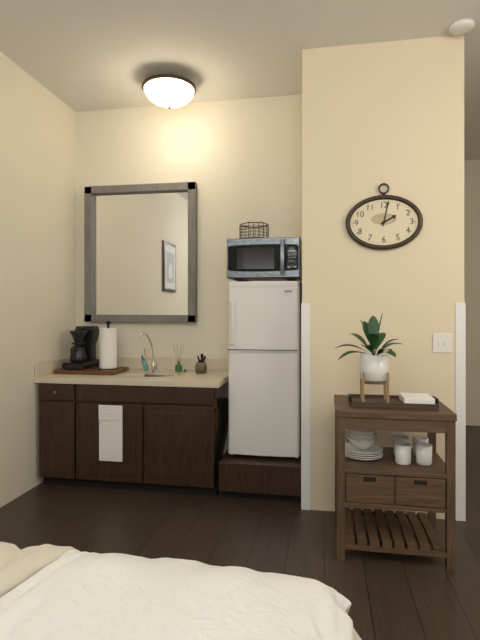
{"hour": 2, "minute": 2}
